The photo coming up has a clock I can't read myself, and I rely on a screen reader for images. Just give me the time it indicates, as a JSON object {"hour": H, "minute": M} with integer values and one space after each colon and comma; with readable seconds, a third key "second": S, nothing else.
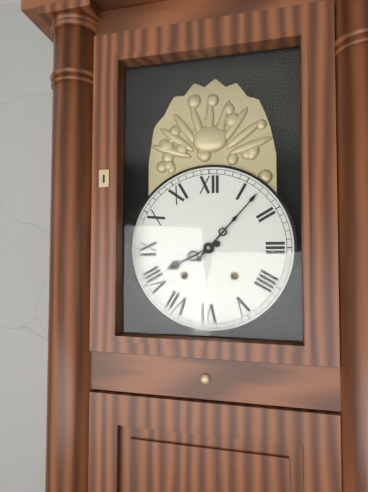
{"hour": 8, "minute": 7}
